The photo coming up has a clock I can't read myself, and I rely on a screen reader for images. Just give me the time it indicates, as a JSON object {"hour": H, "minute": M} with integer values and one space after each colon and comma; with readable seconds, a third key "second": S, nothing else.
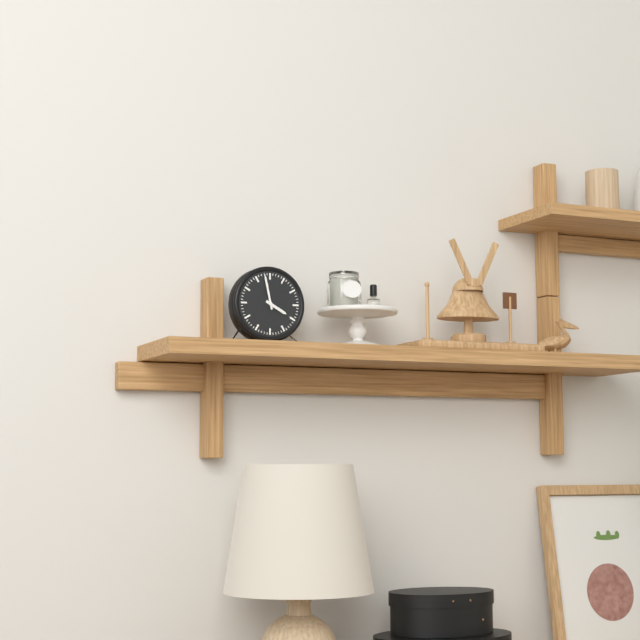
{"hour": 3, "minute": 58}
